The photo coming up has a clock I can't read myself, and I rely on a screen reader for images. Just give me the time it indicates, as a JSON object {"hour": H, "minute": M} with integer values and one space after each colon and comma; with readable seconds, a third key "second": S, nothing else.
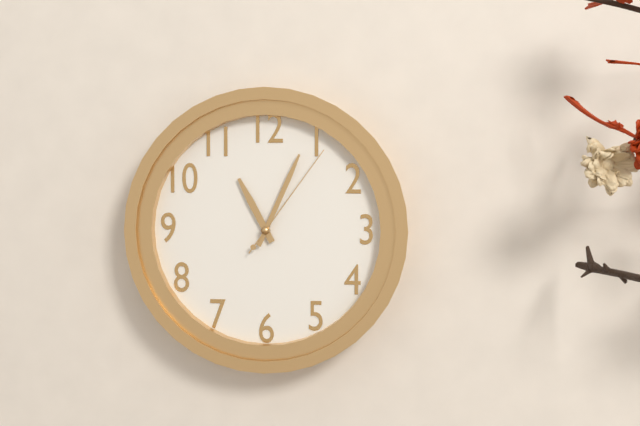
{"hour": 11, "minute": 4, "second": 6}
